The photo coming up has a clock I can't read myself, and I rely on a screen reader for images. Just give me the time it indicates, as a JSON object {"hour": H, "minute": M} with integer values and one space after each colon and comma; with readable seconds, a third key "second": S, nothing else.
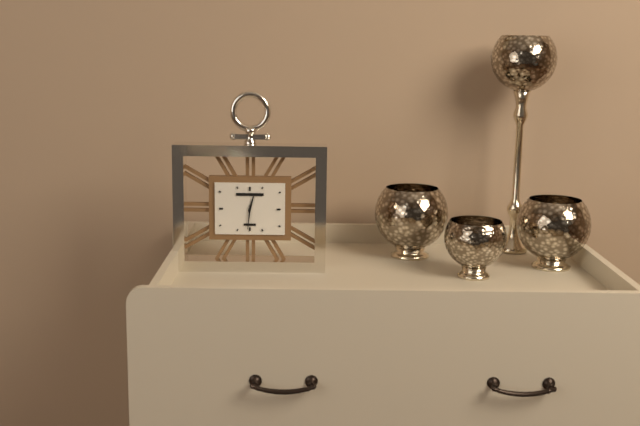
{"hour": 12, "minute": 31}
